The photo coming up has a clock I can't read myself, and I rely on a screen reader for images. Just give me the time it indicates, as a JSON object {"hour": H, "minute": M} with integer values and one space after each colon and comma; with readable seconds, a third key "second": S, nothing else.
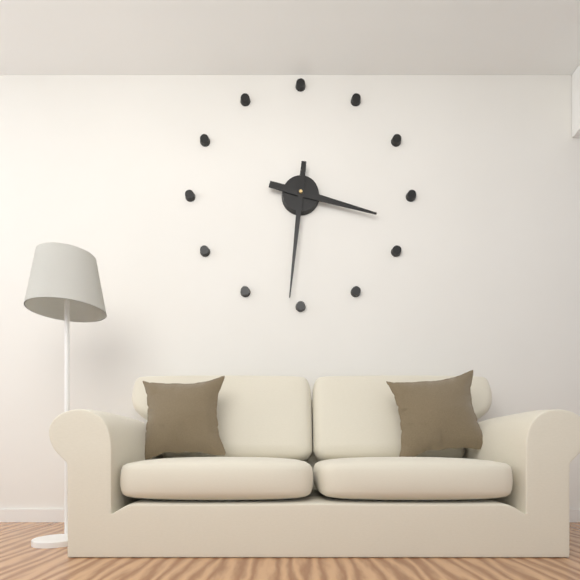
{"hour": 3, "minute": 31}
